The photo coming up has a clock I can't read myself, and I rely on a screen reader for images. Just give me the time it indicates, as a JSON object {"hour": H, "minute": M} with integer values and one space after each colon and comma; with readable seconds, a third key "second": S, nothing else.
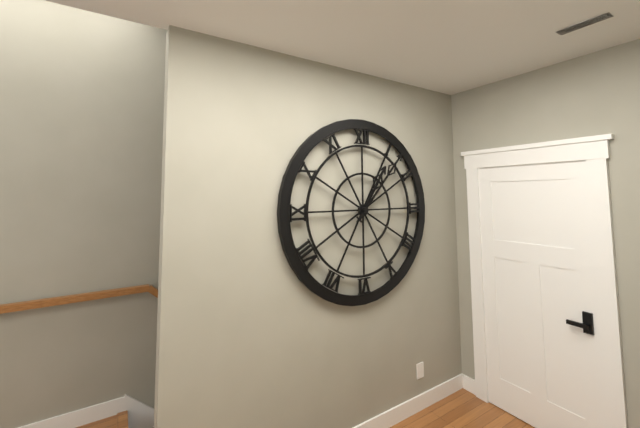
{"hour": 1, "minute": 7}
